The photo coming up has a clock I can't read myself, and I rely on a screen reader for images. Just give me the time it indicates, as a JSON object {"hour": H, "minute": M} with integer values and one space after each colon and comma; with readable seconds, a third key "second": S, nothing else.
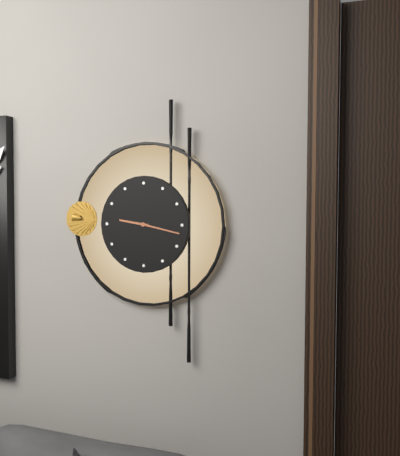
{"hour": 9, "minute": 17}
